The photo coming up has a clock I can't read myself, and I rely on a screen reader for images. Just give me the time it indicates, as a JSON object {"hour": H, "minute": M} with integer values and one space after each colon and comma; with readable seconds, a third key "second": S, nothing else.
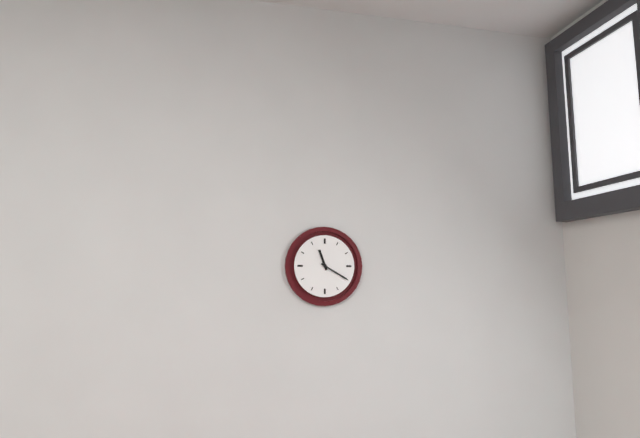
{"hour": 11, "minute": 20}
